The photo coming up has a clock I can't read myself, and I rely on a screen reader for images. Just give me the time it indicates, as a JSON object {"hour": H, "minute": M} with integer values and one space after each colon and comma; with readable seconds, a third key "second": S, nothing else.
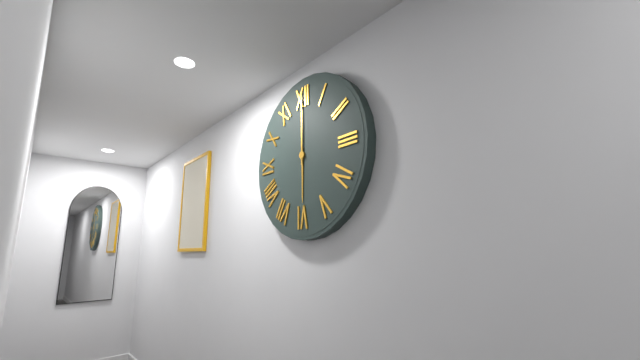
{"hour": 6, "minute": 0}
